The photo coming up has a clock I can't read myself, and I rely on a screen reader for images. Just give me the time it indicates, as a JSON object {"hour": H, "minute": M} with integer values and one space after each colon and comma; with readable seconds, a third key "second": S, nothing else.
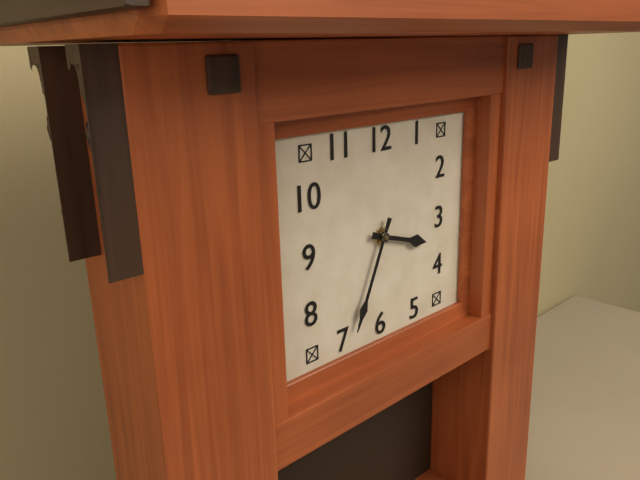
{"hour": 3, "minute": 34}
